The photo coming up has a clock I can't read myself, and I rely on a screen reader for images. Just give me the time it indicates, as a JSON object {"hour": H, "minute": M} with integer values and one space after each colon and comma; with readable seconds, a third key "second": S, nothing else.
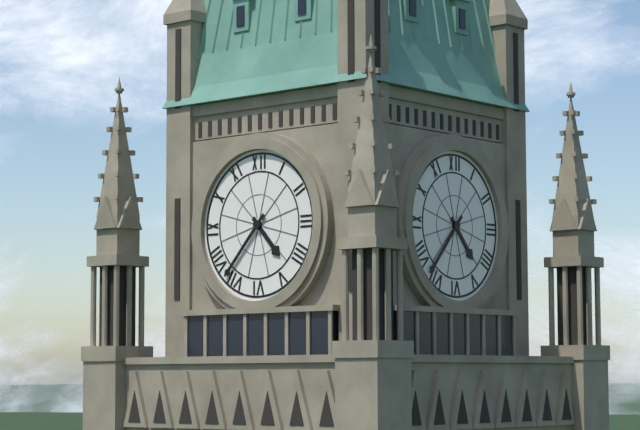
{"hour": 4, "minute": 37}
